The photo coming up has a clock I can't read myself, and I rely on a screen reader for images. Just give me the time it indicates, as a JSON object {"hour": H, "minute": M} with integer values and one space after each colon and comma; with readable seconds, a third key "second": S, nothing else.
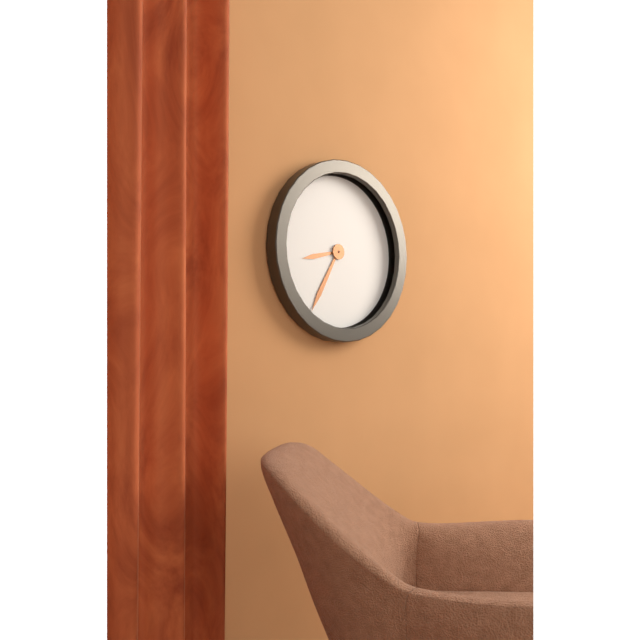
{"hour": 8, "minute": 35}
